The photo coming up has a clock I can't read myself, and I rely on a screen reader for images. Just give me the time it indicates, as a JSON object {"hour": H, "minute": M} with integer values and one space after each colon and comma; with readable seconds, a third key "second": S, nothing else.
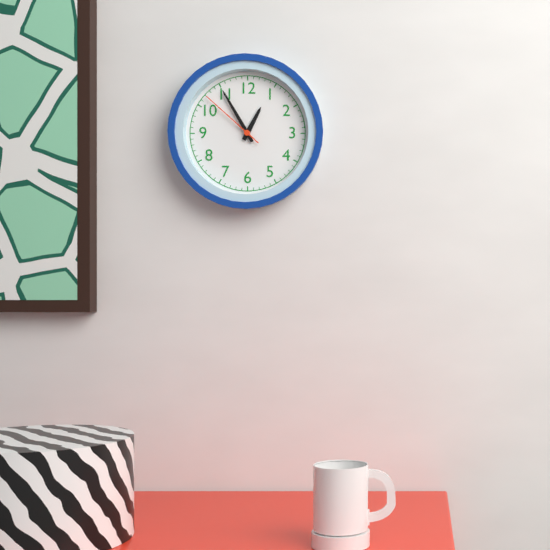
{"hour": 12, "minute": 55, "second": 52}
